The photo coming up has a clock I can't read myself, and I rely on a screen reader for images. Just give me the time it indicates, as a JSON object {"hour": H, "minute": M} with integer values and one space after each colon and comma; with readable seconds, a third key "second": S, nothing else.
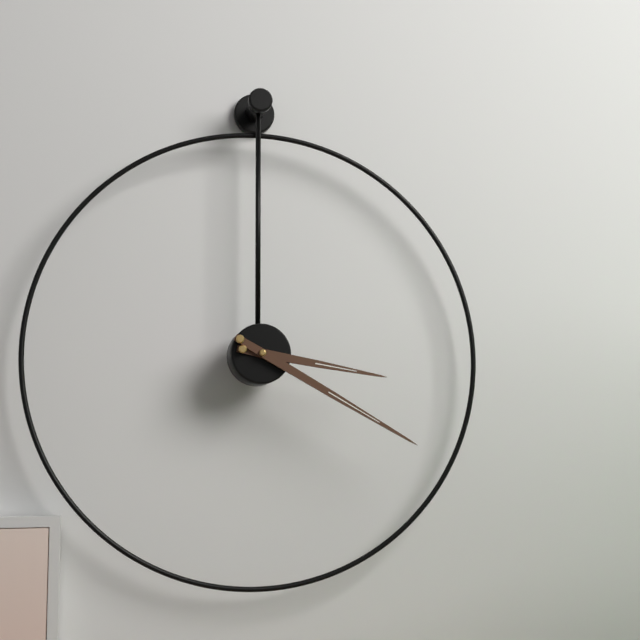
{"hour": 3, "minute": 20}
